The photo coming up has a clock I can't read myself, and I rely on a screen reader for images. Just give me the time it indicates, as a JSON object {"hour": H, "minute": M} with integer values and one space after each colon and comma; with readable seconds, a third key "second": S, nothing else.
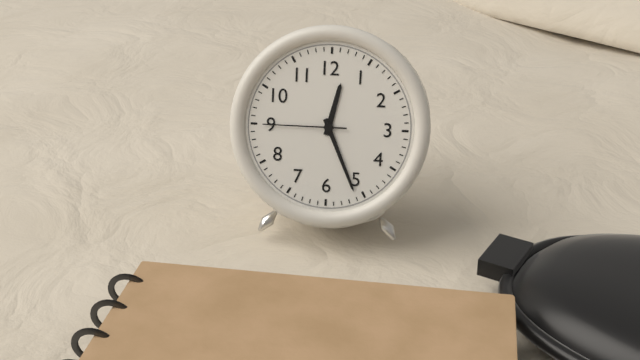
{"hour": 12, "minute": 26, "second": 45}
